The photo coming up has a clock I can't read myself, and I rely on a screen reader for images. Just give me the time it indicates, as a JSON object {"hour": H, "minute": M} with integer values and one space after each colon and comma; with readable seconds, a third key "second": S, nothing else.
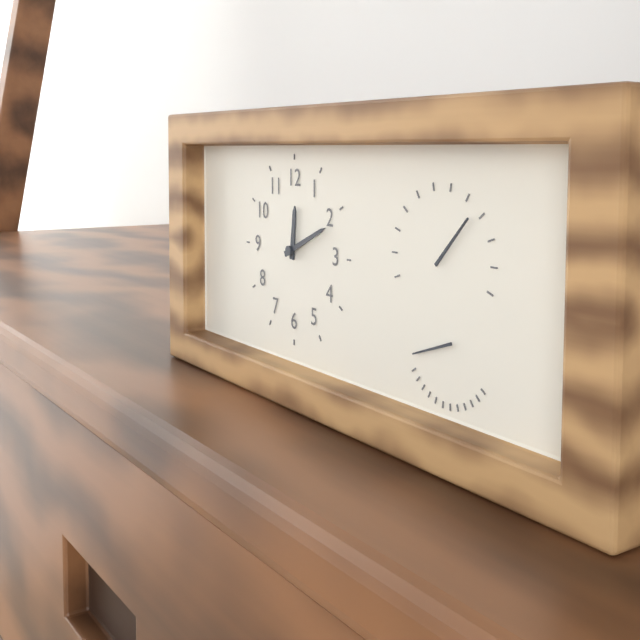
{"hour": 12, "minute": 11}
